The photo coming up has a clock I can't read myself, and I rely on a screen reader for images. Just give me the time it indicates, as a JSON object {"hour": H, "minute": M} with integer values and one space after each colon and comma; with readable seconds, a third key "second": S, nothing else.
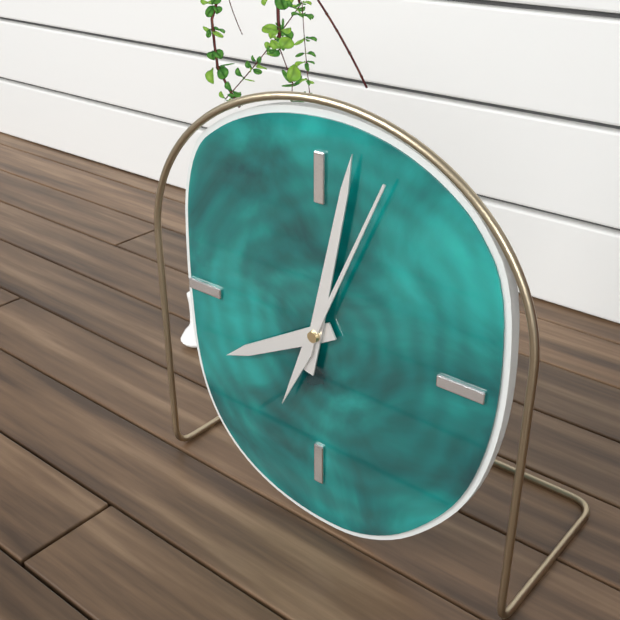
{"hour": 8, "minute": 2, "second": 4}
